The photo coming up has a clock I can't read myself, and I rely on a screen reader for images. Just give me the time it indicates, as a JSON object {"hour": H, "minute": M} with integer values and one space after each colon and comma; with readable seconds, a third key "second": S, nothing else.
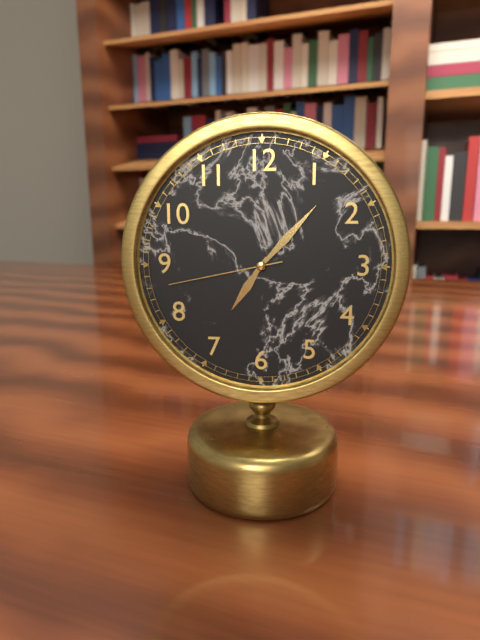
{"hour": 7, "minute": 7, "second": 43}
